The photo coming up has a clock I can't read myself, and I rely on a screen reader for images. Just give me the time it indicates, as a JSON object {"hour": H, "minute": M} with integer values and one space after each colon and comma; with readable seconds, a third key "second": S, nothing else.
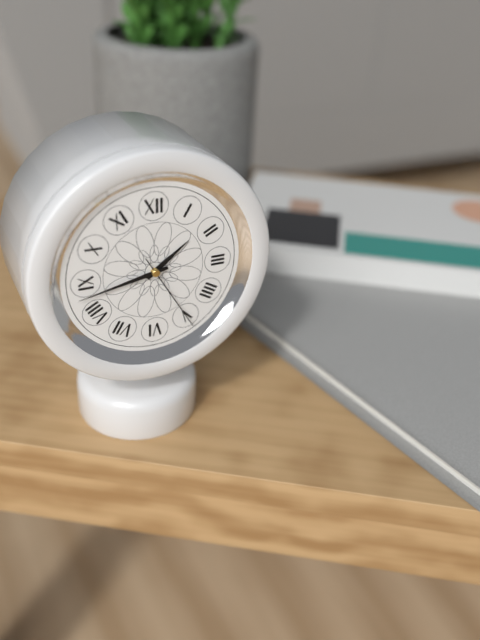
{"hour": 1, "minute": 43, "second": 25}
